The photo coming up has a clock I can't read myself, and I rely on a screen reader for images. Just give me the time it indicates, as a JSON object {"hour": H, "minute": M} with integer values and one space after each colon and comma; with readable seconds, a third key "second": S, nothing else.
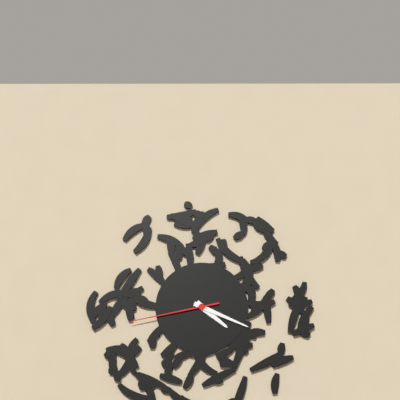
{"hour": 4, "minute": 19, "second": 43}
